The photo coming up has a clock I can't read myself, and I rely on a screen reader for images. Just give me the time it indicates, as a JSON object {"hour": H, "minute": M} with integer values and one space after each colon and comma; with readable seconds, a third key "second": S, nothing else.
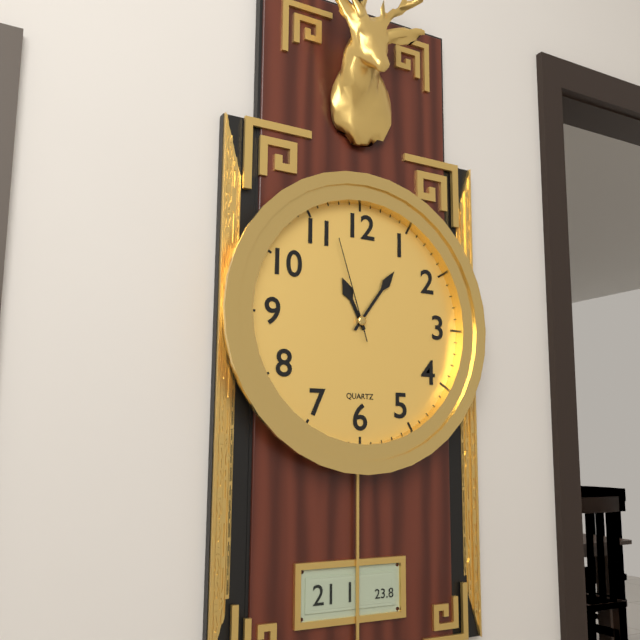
{"hour": 11, "minute": 6, "second": 57}
